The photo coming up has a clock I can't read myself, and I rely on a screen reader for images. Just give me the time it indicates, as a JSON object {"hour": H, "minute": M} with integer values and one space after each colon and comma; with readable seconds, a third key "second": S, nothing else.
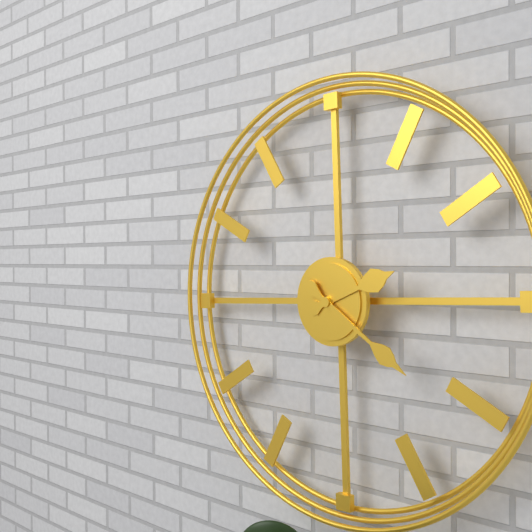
{"hour": 2, "minute": 21}
